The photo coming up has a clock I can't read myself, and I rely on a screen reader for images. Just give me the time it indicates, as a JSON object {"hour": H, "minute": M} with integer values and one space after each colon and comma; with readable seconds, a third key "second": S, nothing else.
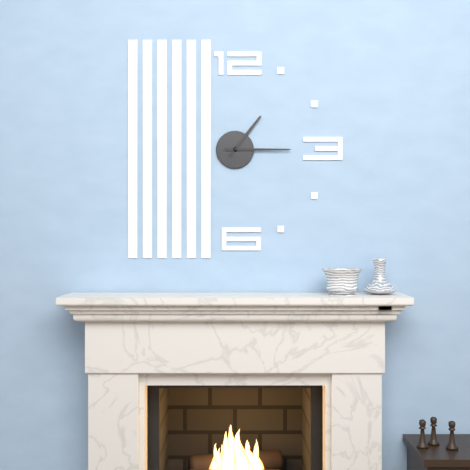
{"hour": 1, "minute": 15}
